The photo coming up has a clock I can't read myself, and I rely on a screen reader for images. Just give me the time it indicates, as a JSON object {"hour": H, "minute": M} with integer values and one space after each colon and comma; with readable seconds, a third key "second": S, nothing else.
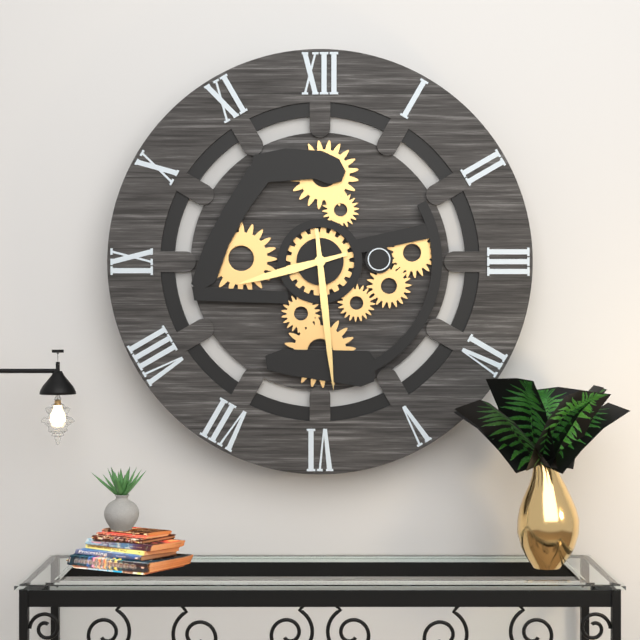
{"hour": 8, "minute": 29}
